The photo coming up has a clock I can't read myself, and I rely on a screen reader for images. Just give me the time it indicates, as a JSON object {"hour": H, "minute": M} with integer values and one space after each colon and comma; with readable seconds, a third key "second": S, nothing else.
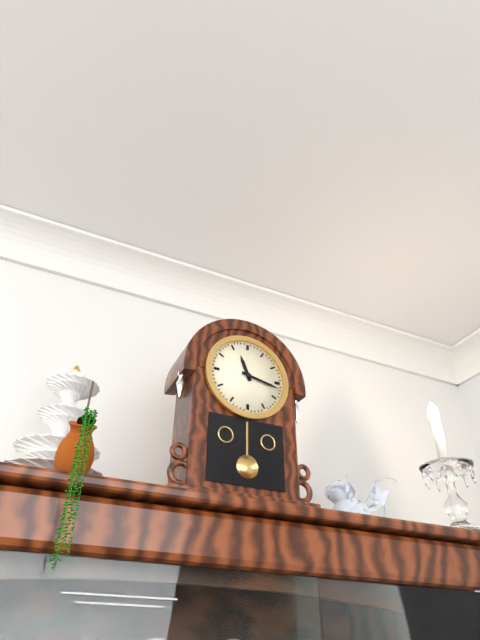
{"hour": 11, "minute": 17}
